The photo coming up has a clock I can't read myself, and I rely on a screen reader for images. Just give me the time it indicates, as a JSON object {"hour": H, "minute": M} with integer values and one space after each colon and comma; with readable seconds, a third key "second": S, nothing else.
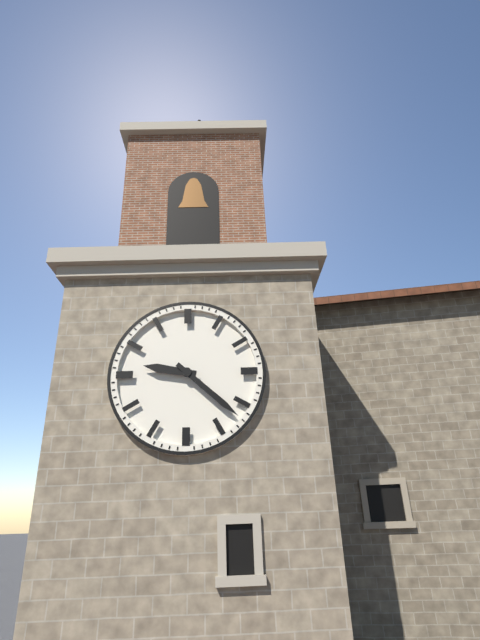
{"hour": 9, "minute": 22}
